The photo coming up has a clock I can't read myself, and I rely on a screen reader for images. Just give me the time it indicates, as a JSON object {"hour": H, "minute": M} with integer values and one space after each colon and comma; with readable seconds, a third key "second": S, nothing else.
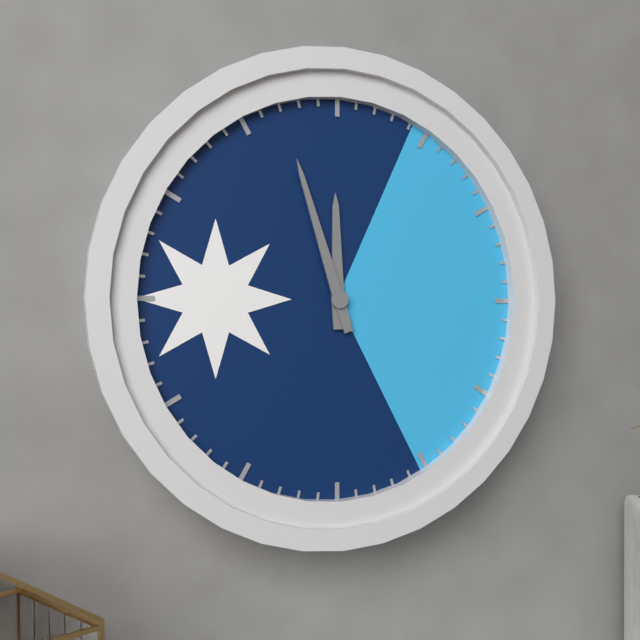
{"hour": 11, "minute": 57}
